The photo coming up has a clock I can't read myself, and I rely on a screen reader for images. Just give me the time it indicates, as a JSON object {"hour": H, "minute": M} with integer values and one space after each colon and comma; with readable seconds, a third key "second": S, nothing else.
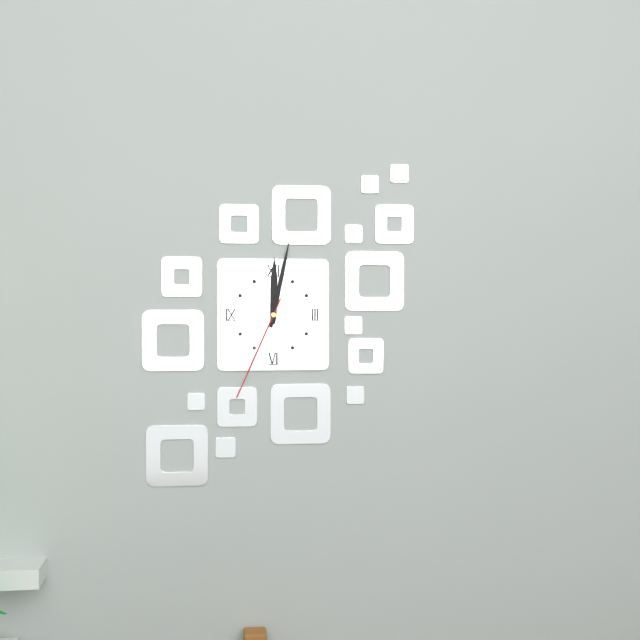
{"hour": 12, "minute": 2, "second": 34}
